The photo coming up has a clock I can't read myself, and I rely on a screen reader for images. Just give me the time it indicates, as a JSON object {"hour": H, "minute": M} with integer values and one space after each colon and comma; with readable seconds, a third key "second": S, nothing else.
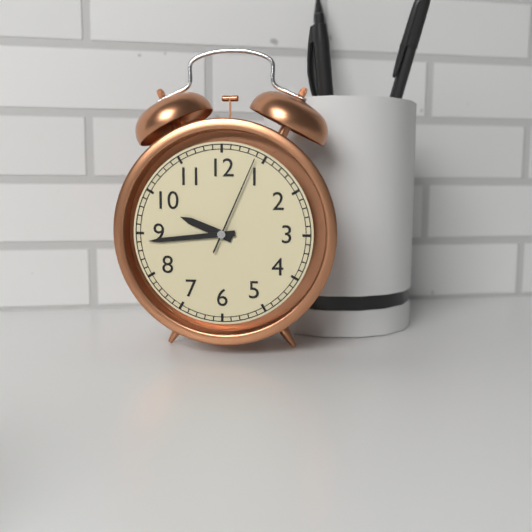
{"hour": 9, "minute": 44, "second": 4}
